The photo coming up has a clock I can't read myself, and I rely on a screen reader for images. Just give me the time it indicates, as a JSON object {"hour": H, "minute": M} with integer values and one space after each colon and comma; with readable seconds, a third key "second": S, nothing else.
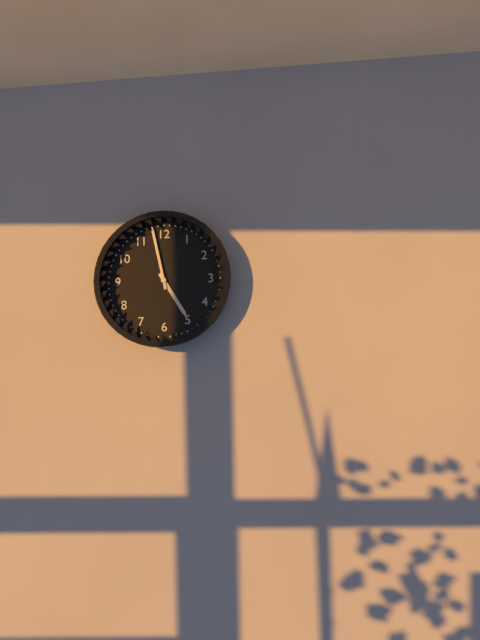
{"hour": 4, "minute": 58}
